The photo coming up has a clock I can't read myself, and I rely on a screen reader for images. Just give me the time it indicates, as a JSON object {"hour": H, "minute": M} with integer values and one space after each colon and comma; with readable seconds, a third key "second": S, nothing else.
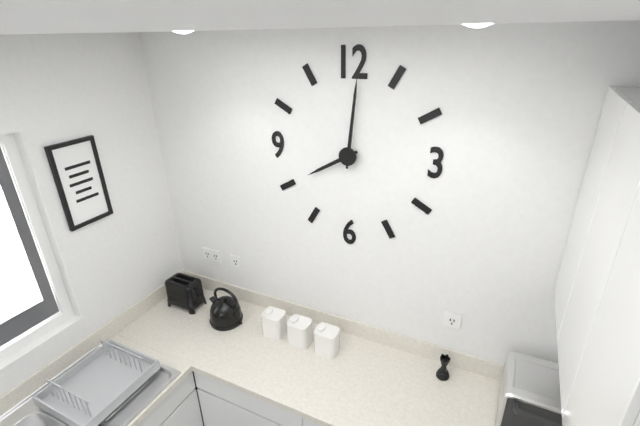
{"hour": 8, "minute": 1}
